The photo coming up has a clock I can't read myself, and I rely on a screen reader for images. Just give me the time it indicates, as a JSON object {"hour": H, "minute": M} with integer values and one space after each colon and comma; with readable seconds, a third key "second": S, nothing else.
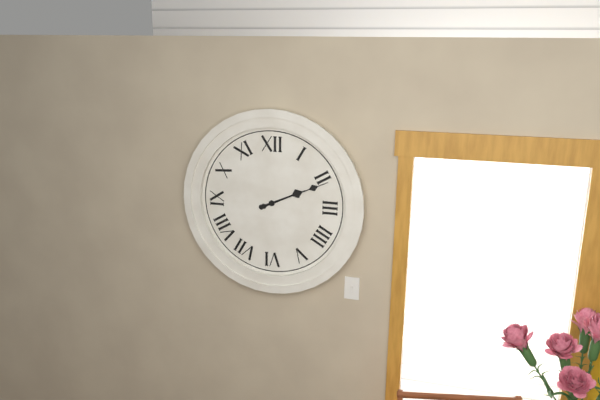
{"hour": 2, "minute": 11}
